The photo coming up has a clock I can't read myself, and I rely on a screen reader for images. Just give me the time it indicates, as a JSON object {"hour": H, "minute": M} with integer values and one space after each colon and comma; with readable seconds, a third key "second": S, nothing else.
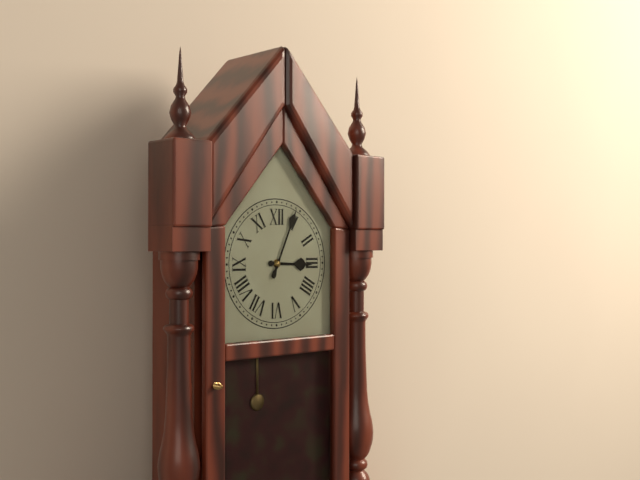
{"hour": 3, "minute": 4}
